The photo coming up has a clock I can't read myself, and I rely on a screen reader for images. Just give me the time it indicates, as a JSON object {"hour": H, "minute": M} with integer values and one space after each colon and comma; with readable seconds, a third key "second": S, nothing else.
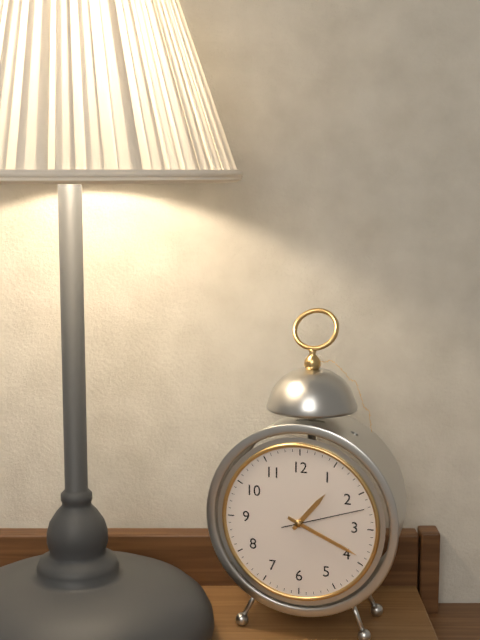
{"hour": 1, "minute": 19, "second": 12}
